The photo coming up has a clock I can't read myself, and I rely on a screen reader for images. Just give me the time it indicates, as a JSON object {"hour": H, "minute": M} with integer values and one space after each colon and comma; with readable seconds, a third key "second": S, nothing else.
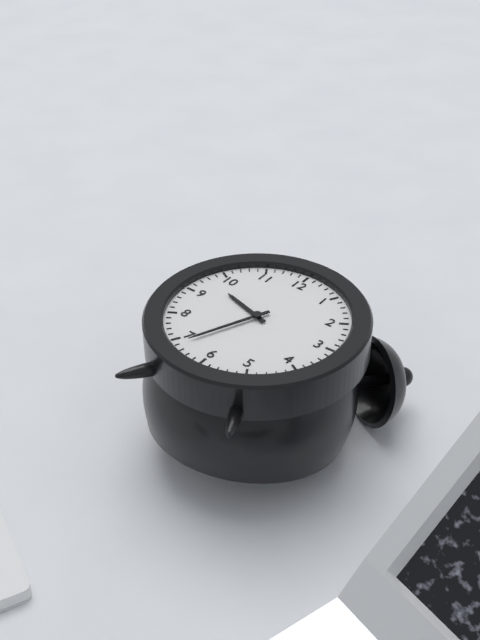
{"hour": 9, "minute": 34}
